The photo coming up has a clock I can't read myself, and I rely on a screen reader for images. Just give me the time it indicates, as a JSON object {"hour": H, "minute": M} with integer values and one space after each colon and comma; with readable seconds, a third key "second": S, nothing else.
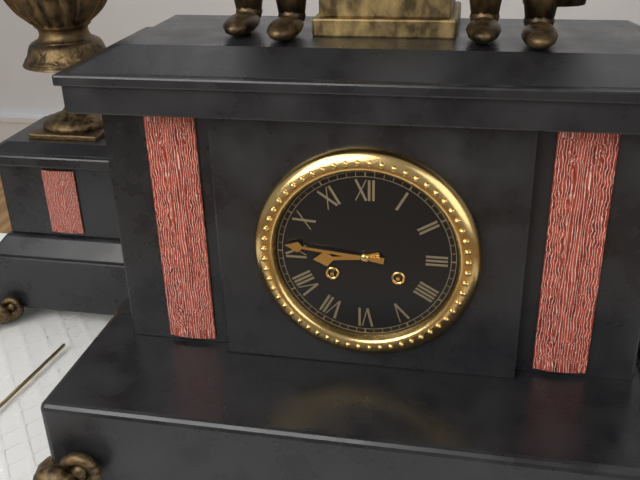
{"hour": 8, "minute": 46}
